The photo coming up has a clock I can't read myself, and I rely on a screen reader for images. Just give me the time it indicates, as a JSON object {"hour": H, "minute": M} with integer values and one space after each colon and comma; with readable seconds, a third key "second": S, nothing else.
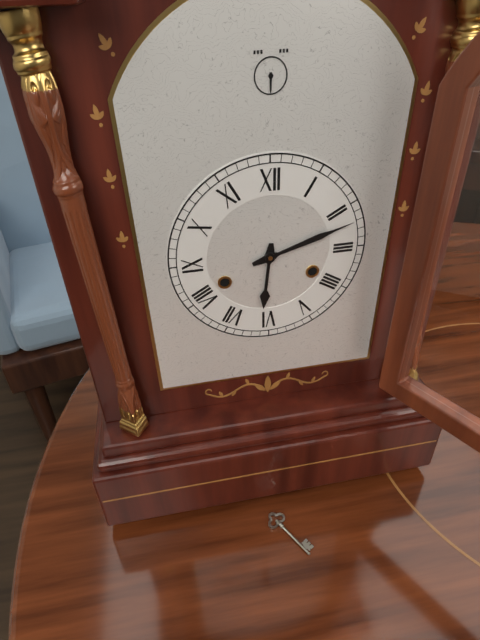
{"hour": 6, "minute": 12}
